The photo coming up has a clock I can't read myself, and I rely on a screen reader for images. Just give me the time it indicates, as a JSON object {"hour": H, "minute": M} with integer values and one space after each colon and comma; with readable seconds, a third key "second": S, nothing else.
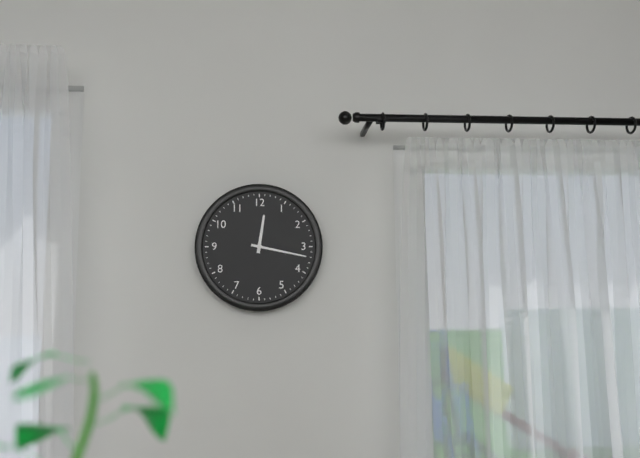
{"hour": 12, "minute": 17}
